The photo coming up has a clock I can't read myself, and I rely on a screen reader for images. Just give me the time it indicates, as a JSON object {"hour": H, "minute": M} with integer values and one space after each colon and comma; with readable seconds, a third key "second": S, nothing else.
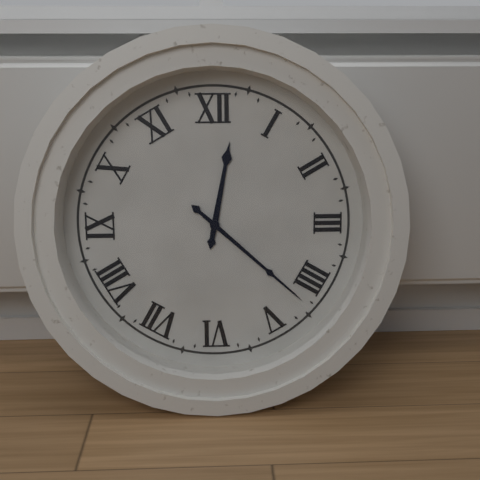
{"hour": 12, "minute": 22}
